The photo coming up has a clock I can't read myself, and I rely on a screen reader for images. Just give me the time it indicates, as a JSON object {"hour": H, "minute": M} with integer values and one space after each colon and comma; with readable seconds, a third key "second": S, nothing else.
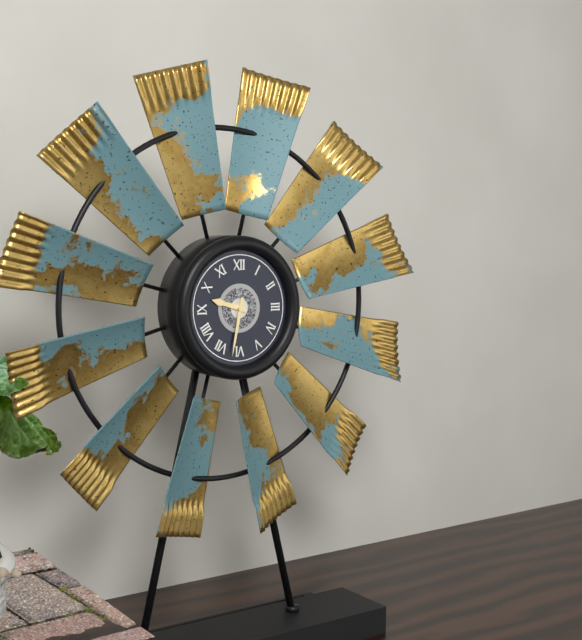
{"hour": 9, "minute": 32}
